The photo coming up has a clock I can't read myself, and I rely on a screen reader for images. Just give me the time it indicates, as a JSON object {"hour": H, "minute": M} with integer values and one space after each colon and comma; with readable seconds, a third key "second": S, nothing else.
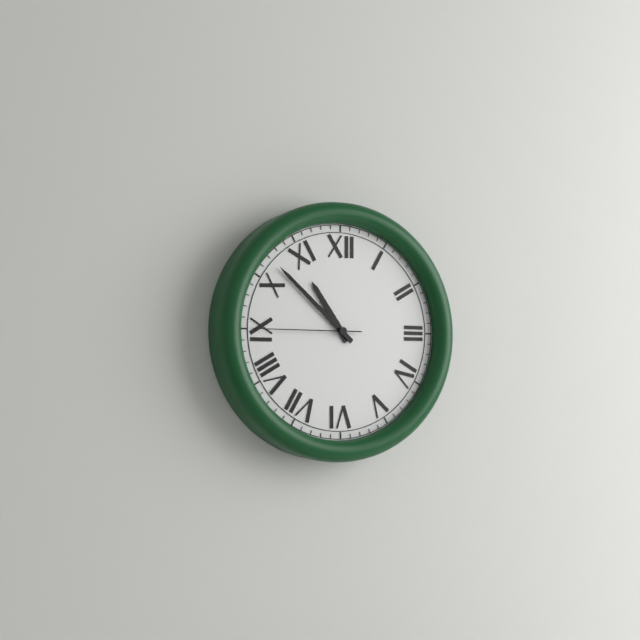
{"hour": 10, "minute": 52, "second": 45}
